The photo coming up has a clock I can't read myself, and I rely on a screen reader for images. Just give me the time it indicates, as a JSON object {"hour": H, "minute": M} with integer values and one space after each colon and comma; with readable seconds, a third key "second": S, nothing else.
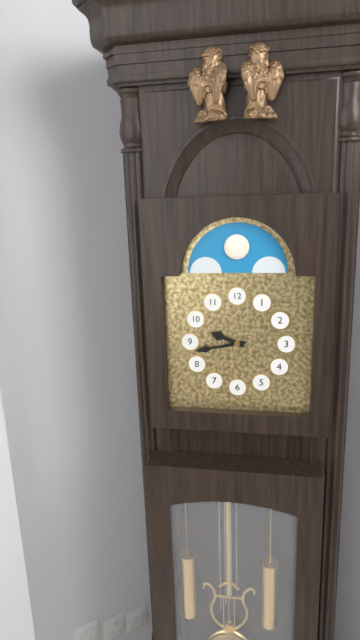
{"hour": 9, "minute": 43}
